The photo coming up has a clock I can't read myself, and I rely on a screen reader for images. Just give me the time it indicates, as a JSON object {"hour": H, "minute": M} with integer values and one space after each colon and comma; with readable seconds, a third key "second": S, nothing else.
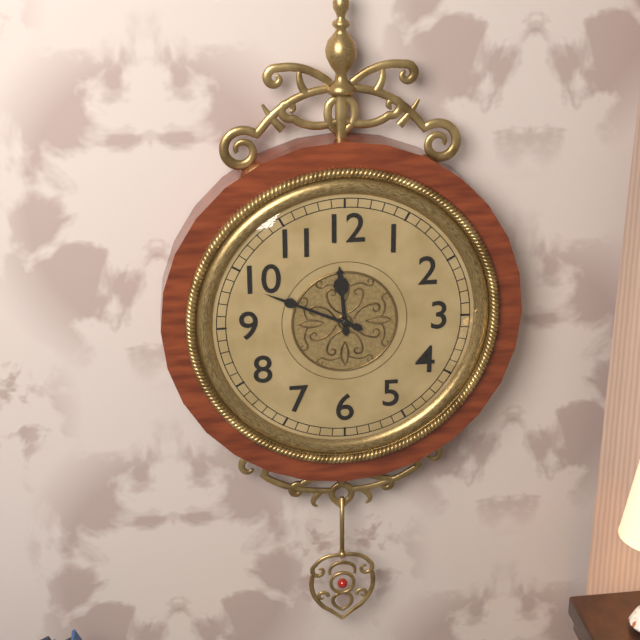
{"hour": 11, "minute": 49}
